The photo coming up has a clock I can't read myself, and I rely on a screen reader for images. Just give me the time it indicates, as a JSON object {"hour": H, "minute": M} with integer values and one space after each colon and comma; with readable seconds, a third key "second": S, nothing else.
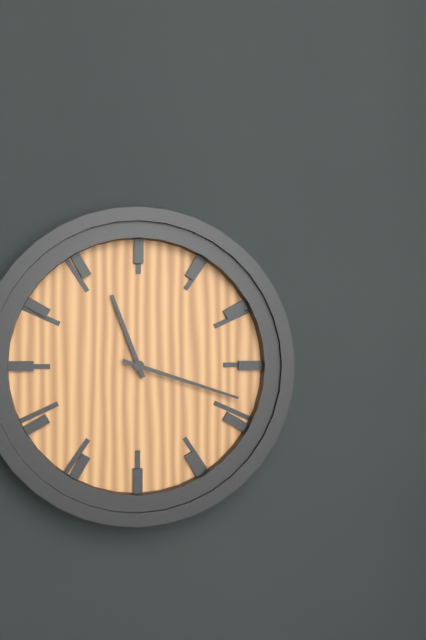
{"hour": 11, "minute": 18}
